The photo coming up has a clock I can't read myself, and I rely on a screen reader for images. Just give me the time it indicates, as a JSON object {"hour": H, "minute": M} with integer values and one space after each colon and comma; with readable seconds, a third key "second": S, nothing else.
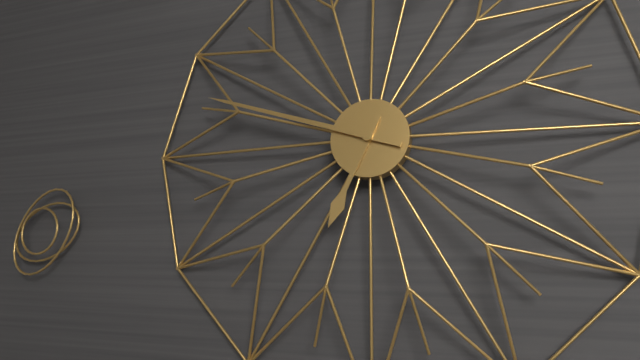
{"hour": 6, "minute": 48}
